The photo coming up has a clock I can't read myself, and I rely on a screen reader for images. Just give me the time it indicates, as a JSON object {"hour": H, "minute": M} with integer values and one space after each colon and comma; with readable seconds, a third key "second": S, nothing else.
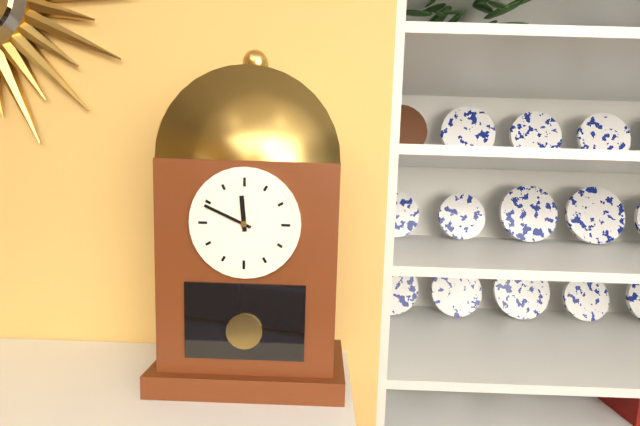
{"hour": 11, "minute": 49}
